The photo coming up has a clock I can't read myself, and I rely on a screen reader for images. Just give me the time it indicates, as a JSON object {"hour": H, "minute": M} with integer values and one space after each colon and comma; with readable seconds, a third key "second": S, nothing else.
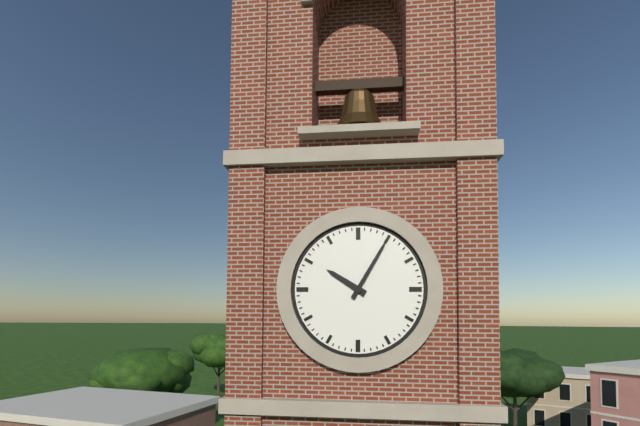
{"hour": 10, "minute": 5}
